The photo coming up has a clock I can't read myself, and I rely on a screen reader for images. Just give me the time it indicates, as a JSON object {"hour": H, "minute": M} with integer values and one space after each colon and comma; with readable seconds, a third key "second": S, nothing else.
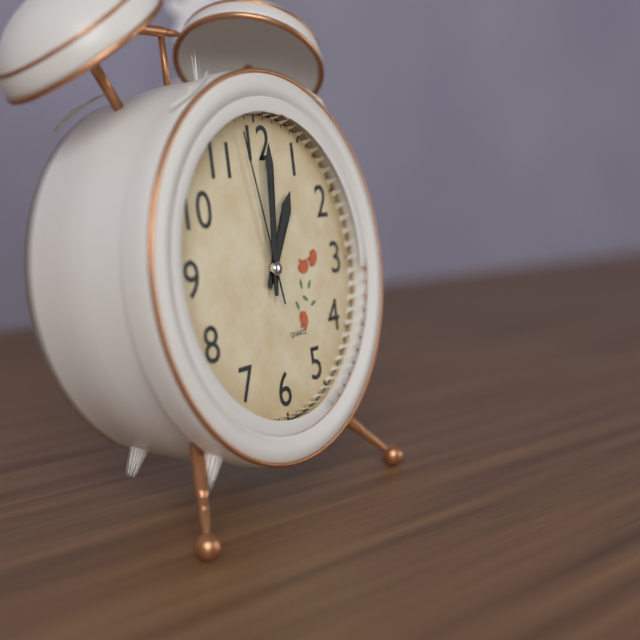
{"hour": 1, "minute": 1, "second": 58}
